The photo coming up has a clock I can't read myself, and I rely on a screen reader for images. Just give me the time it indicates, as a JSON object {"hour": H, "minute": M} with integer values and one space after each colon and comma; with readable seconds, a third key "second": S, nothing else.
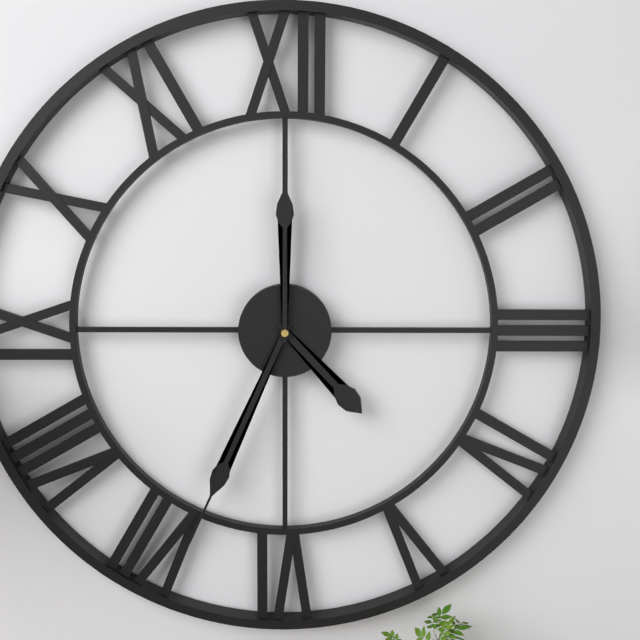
{"hour": 4, "minute": 34, "second": 0}
